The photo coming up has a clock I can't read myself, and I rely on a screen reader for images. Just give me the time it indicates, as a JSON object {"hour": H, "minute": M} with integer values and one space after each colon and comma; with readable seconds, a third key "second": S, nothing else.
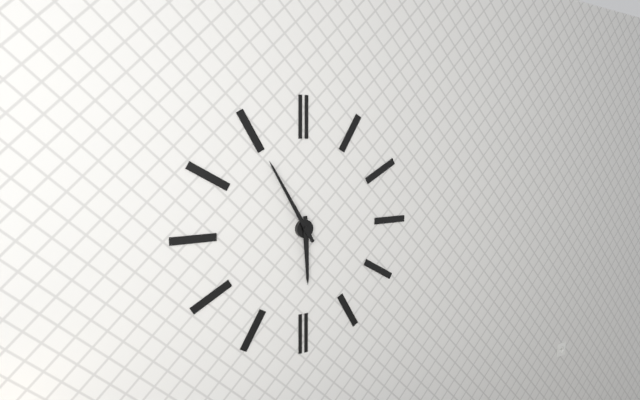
{"hour": 5, "minute": 55}
